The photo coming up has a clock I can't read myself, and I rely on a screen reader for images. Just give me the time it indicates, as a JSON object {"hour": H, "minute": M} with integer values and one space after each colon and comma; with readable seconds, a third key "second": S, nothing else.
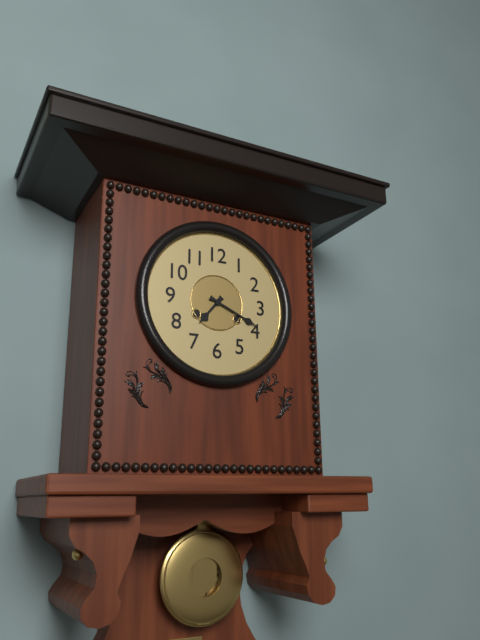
{"hour": 7, "minute": 19}
